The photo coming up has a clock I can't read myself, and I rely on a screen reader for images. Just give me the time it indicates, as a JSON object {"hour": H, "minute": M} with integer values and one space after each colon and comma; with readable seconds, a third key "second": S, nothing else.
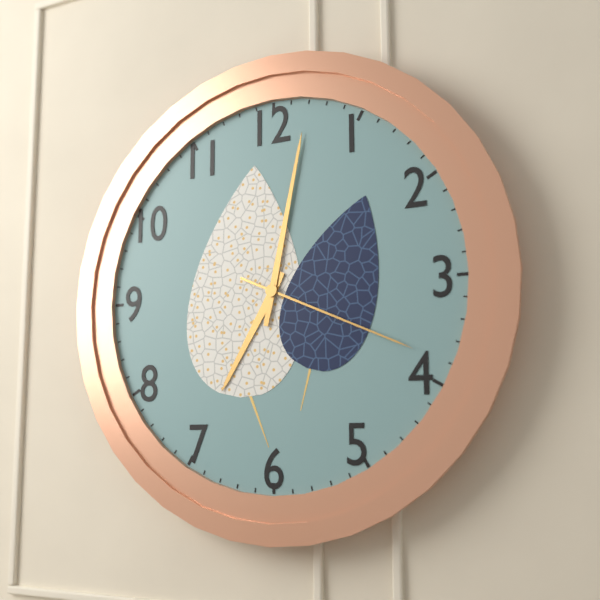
{"hour": 7, "minute": 2, "second": 19}
